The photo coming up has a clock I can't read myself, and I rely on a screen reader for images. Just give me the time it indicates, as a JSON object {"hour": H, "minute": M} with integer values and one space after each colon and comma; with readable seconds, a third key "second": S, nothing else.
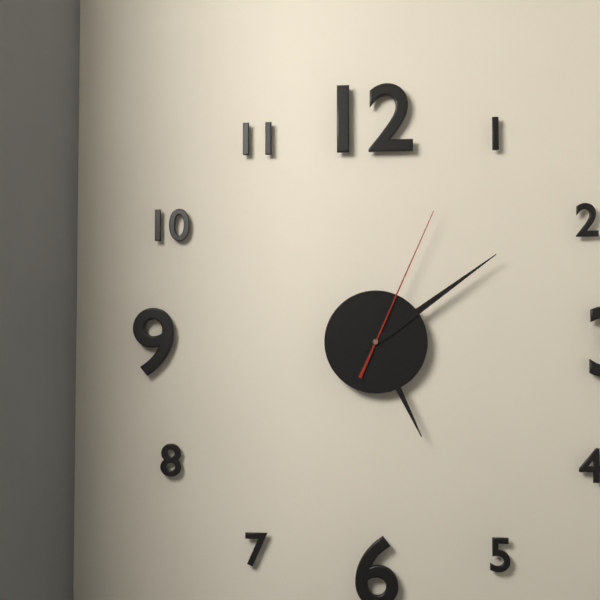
{"hour": 5, "minute": 9, "second": 4}
